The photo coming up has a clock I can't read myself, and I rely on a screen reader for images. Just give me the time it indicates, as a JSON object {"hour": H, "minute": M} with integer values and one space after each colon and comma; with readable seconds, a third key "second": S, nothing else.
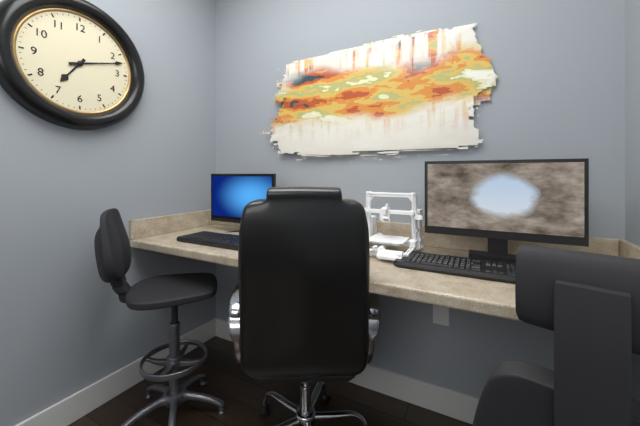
{"hour": 7, "minute": 12}
